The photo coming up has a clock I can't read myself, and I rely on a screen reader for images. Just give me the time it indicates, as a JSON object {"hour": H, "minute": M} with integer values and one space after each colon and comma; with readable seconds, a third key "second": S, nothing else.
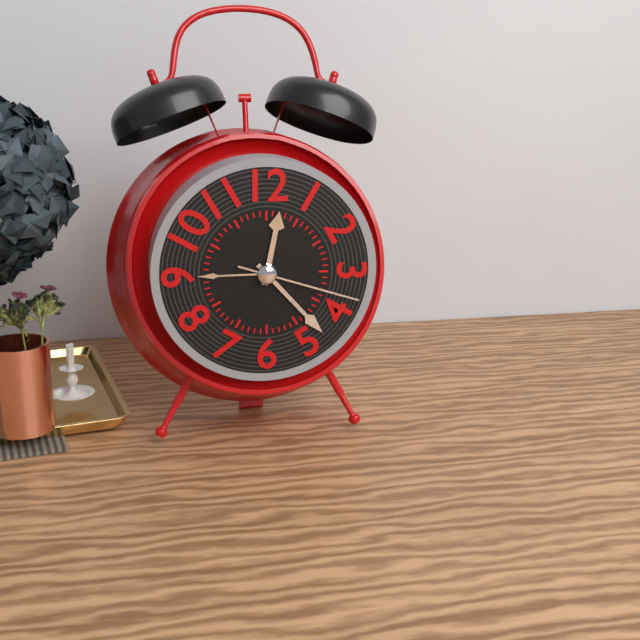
{"hour": 12, "minute": 23, "second": 18}
